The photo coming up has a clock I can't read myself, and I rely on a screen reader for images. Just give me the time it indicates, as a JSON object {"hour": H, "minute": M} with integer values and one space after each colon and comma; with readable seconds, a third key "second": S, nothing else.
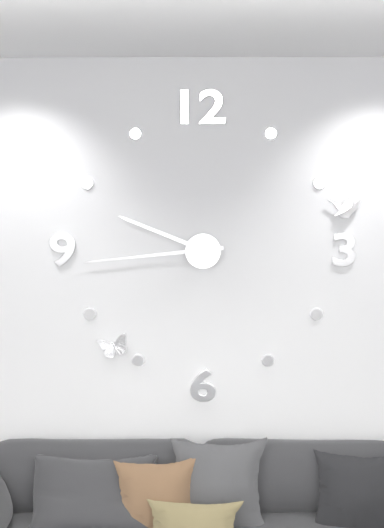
{"hour": 9, "minute": 44}
